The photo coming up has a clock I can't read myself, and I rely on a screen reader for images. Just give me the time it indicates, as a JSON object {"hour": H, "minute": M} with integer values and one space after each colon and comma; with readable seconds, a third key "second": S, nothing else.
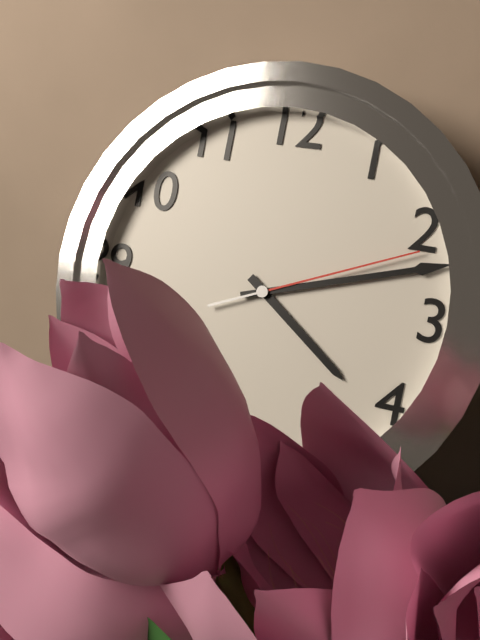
{"hour": 4, "minute": 12, "second": 11}
